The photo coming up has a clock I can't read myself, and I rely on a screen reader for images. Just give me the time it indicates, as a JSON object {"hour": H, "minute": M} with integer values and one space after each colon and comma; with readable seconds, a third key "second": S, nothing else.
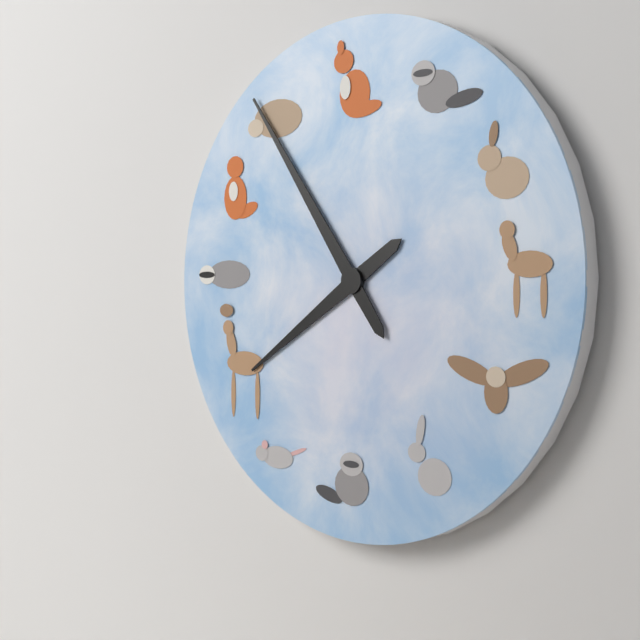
{"hour": 7, "minute": 54}
